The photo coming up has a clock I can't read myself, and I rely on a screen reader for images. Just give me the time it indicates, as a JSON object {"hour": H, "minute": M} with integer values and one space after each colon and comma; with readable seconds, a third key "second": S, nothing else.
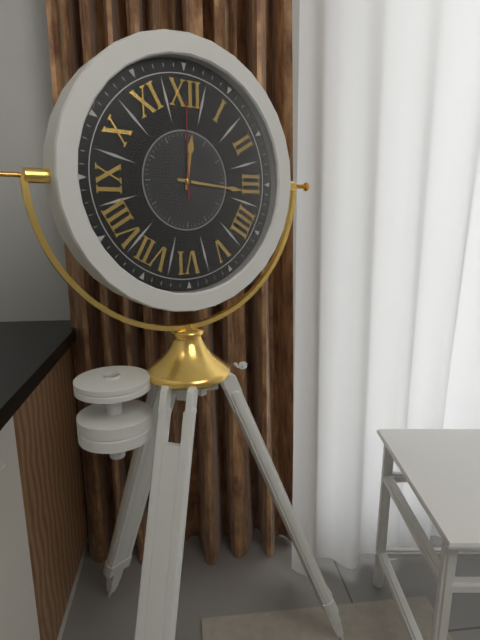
{"hour": 12, "minute": 16, "second": 0}
